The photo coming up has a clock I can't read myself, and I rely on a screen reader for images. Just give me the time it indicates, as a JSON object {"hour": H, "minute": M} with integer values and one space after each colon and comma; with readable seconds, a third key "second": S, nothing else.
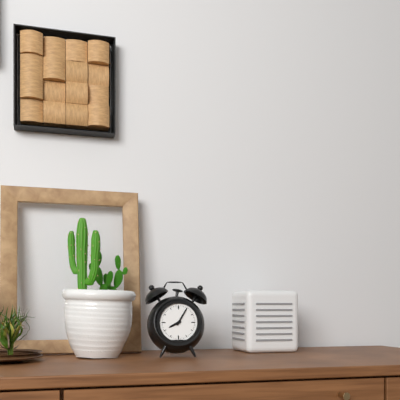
{"hour": 8, "minute": 5}
